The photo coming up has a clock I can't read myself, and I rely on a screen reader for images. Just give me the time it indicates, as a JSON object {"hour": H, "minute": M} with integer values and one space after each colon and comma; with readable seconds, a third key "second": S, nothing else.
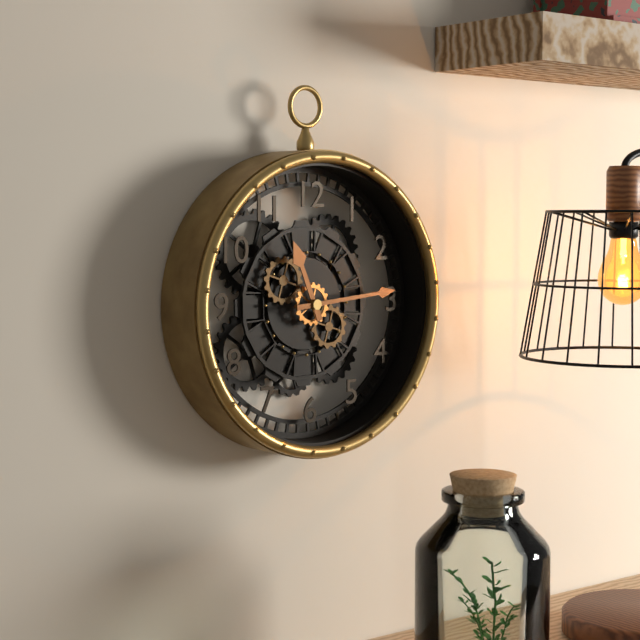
{"hour": 11, "minute": 14}
